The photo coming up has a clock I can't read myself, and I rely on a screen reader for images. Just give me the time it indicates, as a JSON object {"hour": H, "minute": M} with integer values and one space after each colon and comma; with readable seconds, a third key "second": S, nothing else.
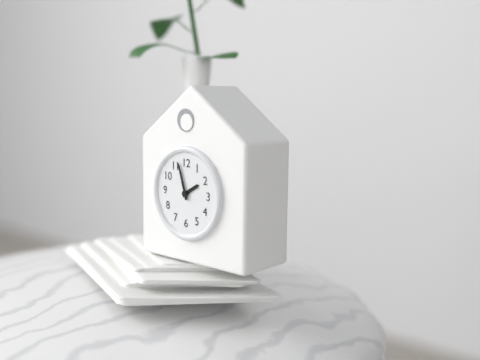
{"hour": 1, "minute": 57}
